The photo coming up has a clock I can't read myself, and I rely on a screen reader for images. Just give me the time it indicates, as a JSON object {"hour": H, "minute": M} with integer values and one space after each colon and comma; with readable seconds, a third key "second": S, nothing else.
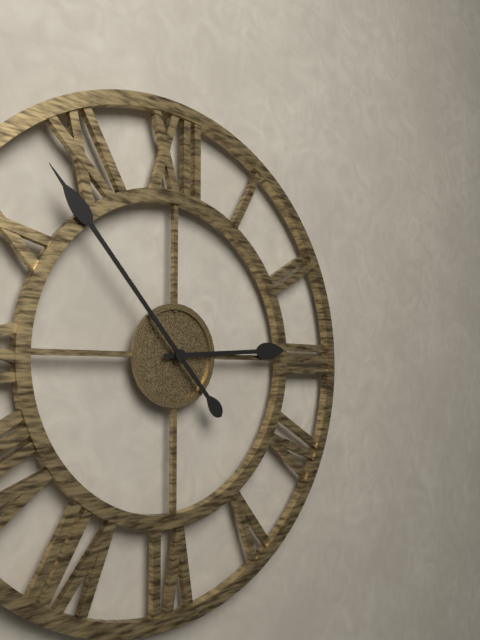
{"hour": 2, "minute": 53}
